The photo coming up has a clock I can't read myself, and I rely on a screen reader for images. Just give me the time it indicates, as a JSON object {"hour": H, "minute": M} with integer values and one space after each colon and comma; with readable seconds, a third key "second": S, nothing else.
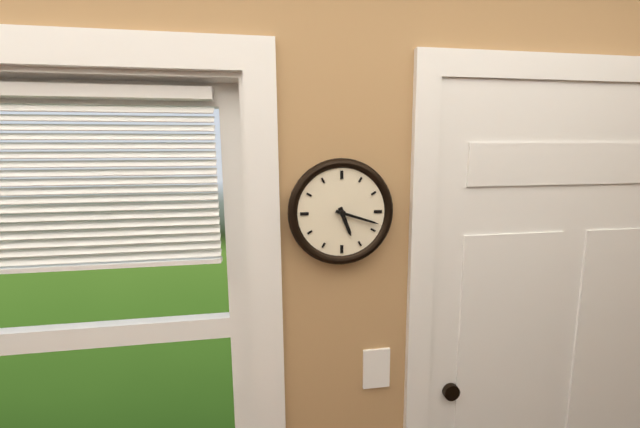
{"hour": 5, "minute": 18}
